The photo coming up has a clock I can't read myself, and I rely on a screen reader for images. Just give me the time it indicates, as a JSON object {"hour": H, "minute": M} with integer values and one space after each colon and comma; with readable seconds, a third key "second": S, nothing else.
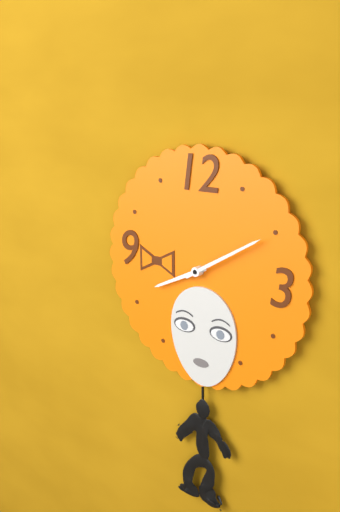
{"hour": 8, "minute": 10}
